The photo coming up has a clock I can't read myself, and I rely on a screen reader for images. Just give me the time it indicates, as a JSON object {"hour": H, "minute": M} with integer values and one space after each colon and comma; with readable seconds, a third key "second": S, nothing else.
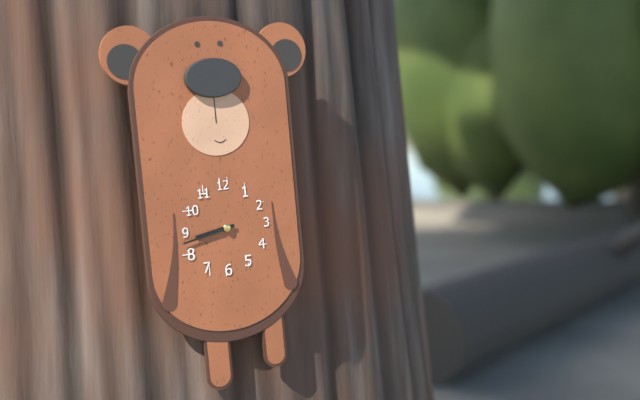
{"hour": 8, "minute": 43}
